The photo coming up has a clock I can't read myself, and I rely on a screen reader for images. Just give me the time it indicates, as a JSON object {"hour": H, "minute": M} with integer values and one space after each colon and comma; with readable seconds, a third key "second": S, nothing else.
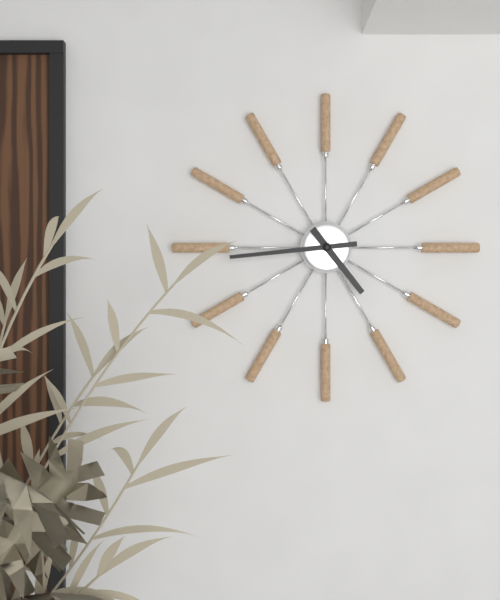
{"hour": 4, "minute": 44}
